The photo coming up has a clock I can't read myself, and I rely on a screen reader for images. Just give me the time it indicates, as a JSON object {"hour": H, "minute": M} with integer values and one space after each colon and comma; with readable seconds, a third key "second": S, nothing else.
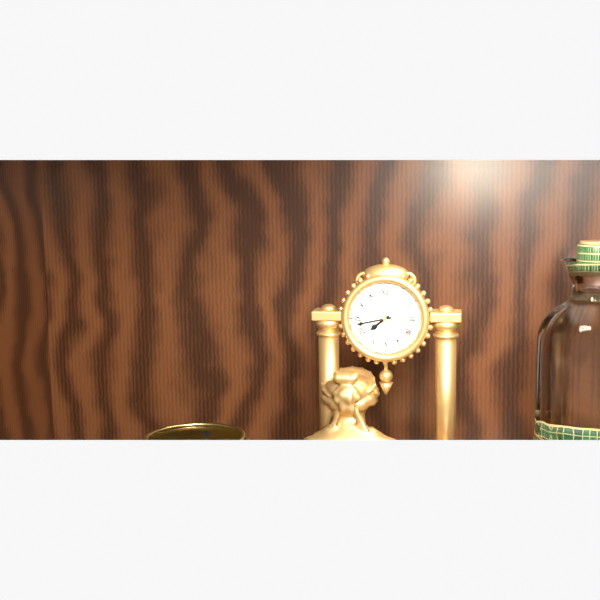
{"hour": 7, "minute": 43}
